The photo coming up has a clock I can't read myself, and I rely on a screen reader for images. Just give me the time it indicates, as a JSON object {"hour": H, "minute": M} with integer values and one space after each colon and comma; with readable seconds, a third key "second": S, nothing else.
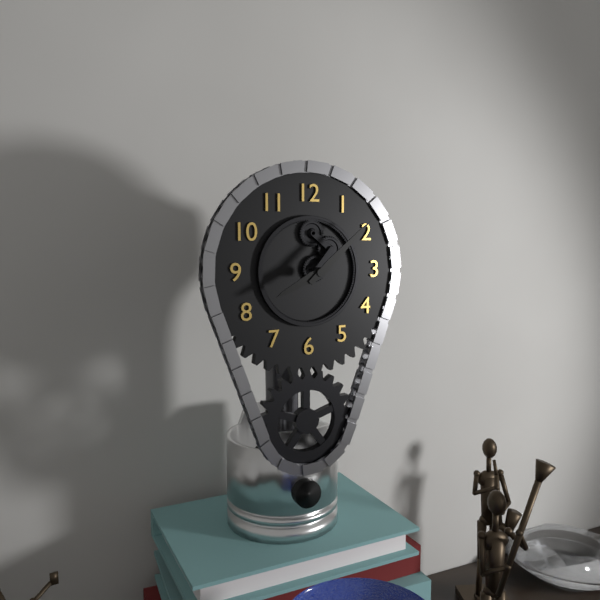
{"hour": 8, "minute": 8}
